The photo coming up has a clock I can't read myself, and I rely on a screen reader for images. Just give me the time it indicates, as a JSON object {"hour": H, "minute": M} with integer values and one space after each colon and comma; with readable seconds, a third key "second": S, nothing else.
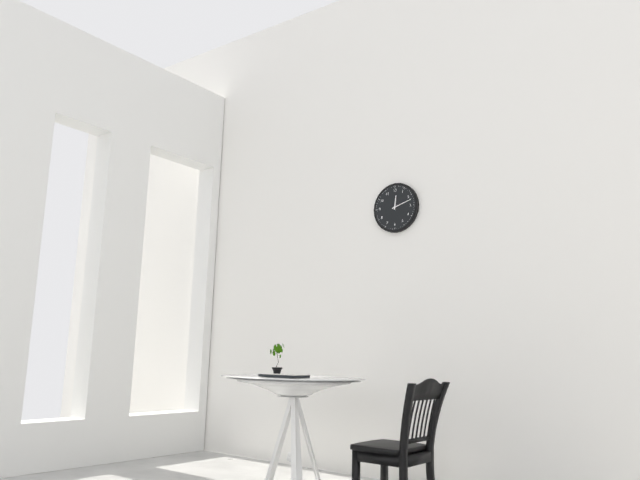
{"hour": 12, "minute": 12}
